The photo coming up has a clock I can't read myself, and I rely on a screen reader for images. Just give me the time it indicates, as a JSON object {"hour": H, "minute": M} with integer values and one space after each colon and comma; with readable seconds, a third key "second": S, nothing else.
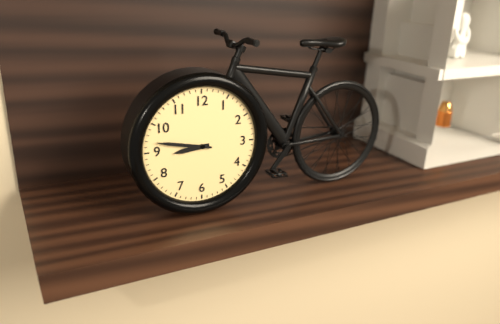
{"hour": 8, "minute": 47}
